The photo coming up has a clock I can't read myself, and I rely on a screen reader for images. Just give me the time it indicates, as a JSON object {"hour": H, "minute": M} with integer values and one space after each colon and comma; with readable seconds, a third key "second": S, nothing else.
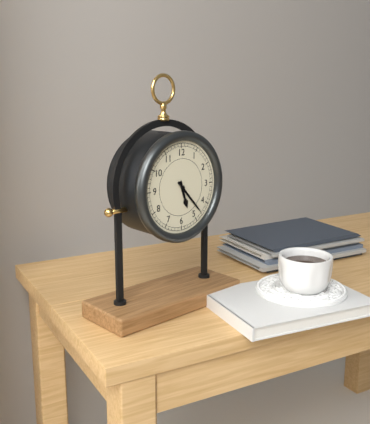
{"hour": 5, "minute": 23}
